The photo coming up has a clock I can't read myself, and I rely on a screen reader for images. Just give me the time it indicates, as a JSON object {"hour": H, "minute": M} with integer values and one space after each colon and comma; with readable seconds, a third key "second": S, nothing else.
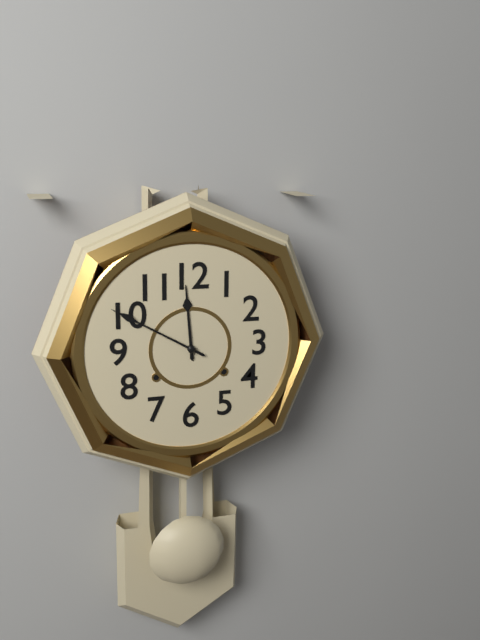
{"hour": 11, "minute": 50}
